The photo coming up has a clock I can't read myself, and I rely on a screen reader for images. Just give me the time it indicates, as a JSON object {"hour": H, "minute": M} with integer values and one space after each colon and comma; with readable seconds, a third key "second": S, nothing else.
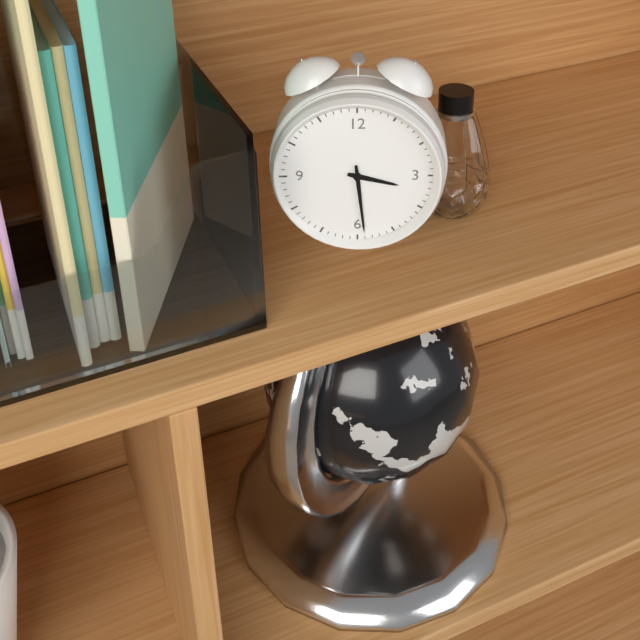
{"hour": 3, "minute": 29}
